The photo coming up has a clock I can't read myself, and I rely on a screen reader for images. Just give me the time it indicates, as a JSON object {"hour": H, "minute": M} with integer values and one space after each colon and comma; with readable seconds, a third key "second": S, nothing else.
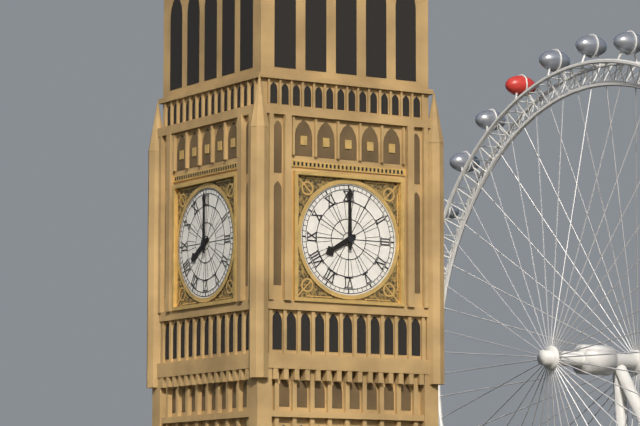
{"hour": 8, "minute": 0}
